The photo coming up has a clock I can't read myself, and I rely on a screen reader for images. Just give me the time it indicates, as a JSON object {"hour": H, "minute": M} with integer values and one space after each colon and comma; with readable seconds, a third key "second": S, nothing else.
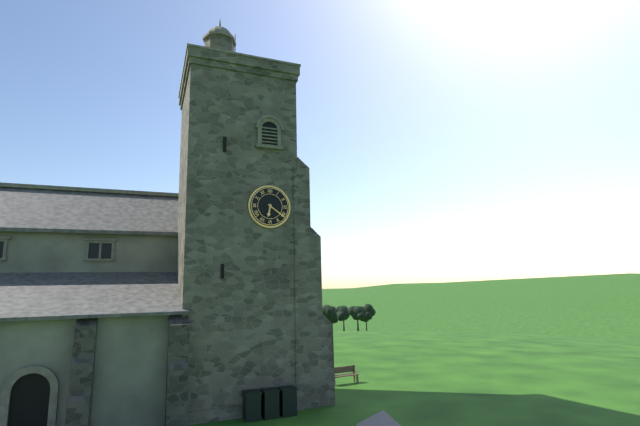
{"hour": 6, "minute": 21}
